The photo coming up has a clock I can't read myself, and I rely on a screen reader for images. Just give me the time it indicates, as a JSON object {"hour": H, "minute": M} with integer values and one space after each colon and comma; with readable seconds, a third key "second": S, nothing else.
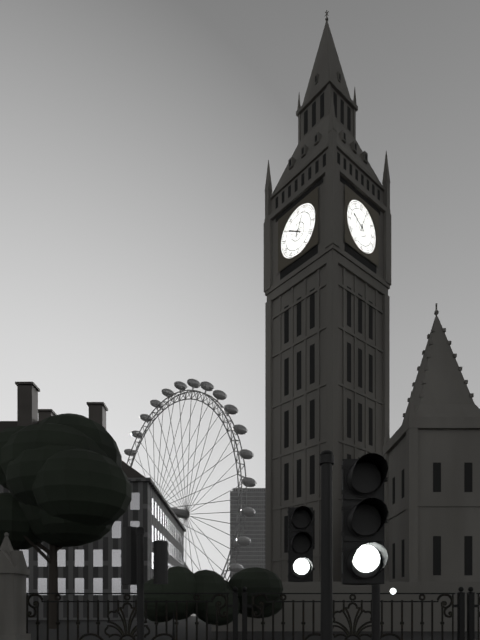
{"hour": 10, "minute": 4}
